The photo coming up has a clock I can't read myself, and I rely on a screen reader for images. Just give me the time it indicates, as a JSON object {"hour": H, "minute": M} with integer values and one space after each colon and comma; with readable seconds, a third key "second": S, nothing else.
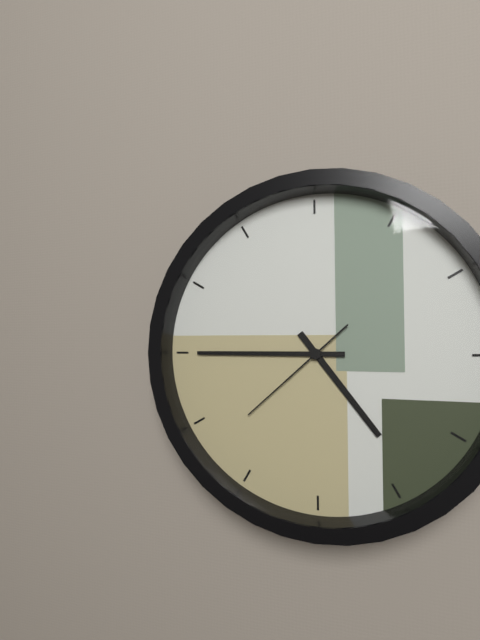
{"hour": 4, "minute": 45, "second": 38}
